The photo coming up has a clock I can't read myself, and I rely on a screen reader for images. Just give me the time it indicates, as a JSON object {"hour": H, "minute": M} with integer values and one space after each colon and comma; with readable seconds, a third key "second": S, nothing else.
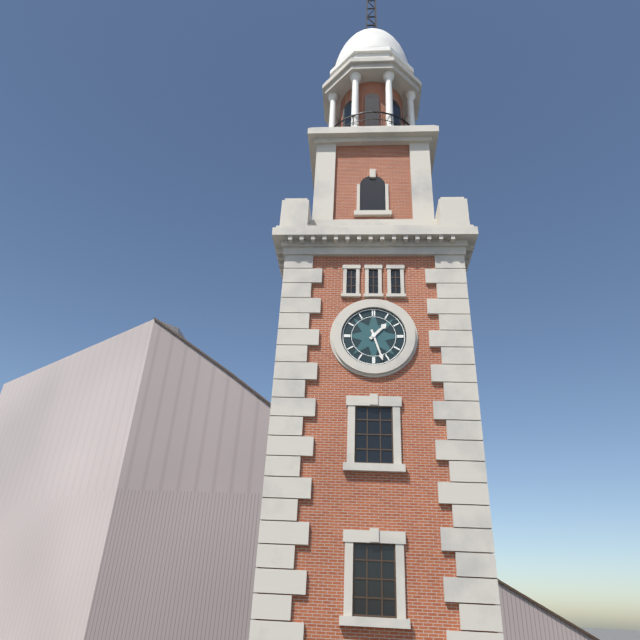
{"hour": 1, "minute": 27}
